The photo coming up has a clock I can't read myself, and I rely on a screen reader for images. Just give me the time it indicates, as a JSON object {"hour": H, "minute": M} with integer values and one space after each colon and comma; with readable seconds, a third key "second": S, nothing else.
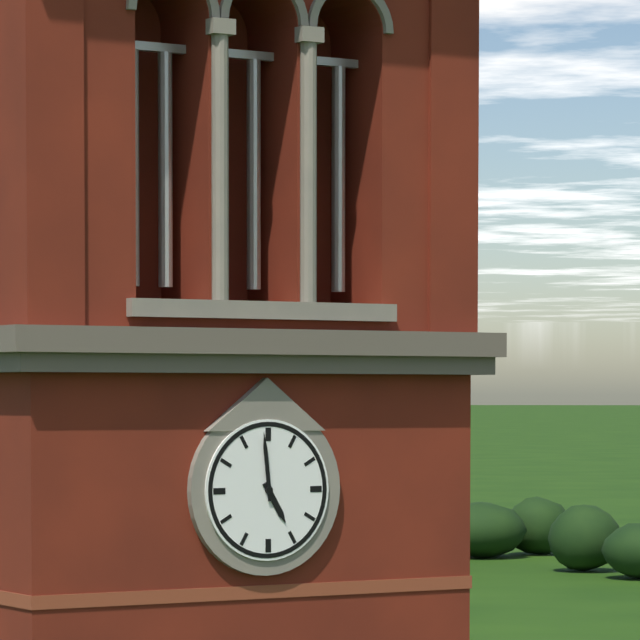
{"hour": 4, "minute": 59}
